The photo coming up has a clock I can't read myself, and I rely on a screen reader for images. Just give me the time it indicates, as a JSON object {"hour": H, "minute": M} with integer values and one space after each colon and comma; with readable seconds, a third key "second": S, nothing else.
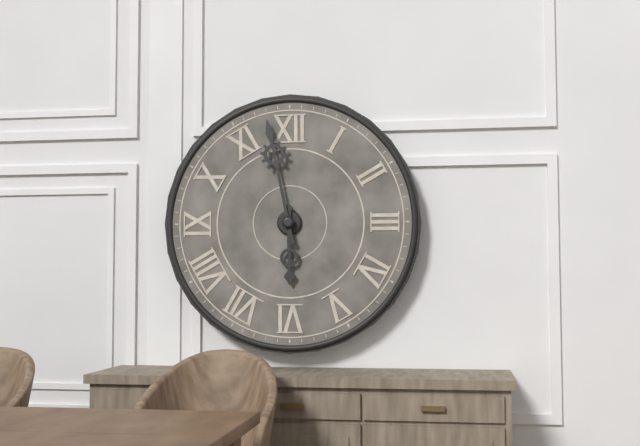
{"hour": 5, "minute": 58}
